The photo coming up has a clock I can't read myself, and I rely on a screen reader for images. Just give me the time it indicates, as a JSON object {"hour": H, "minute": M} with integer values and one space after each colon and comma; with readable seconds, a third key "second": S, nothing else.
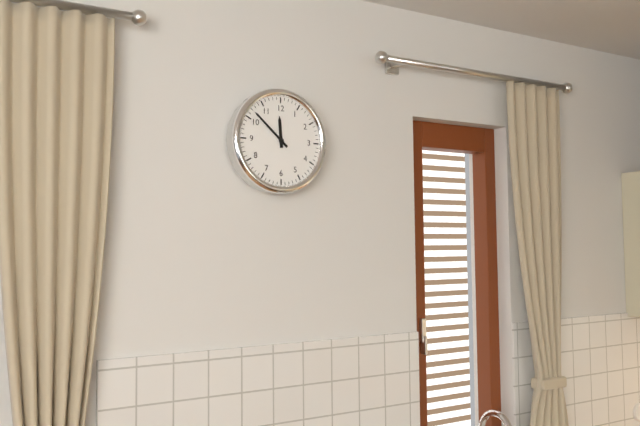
{"hour": 11, "minute": 52}
